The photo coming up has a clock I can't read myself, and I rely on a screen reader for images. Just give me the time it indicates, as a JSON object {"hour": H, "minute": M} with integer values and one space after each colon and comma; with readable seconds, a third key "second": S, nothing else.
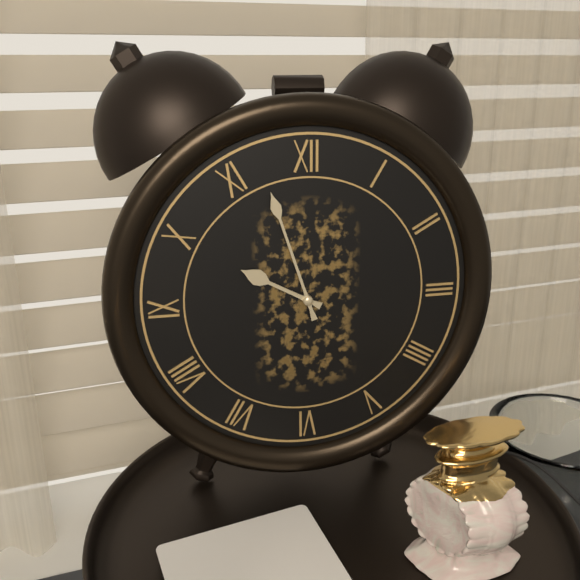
{"hour": 9, "minute": 57}
